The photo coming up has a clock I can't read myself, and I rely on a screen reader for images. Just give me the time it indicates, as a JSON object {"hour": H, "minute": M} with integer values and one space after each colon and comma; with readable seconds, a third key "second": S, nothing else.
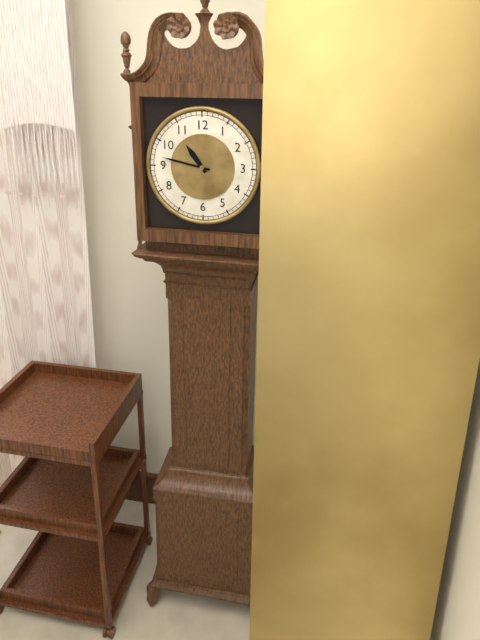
{"hour": 10, "minute": 47}
